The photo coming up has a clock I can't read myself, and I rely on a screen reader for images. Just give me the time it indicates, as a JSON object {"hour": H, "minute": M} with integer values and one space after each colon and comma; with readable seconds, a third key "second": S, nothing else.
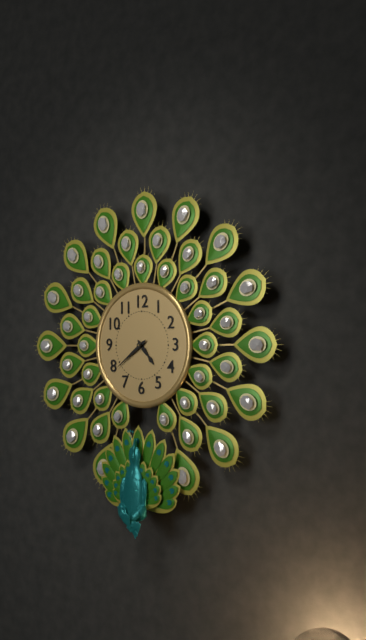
{"hour": 4, "minute": 39}
